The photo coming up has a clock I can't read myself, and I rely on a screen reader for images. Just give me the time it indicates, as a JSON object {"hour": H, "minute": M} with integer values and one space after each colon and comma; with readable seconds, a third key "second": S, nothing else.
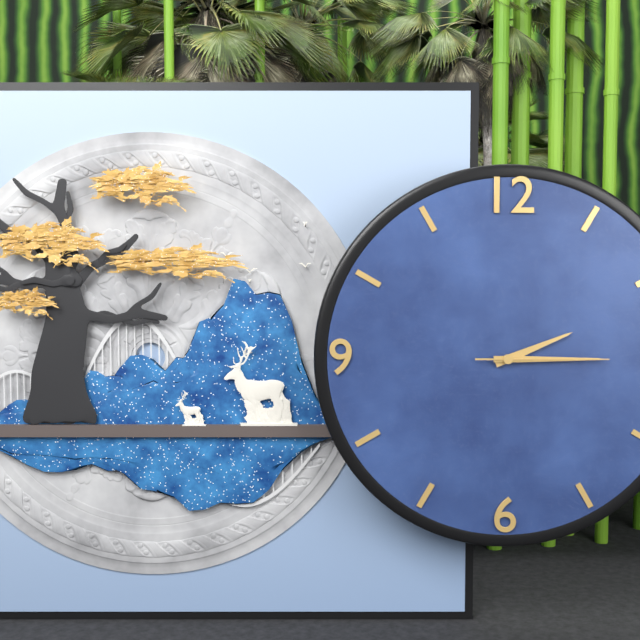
{"hour": 2, "minute": 15, "second": 15}
